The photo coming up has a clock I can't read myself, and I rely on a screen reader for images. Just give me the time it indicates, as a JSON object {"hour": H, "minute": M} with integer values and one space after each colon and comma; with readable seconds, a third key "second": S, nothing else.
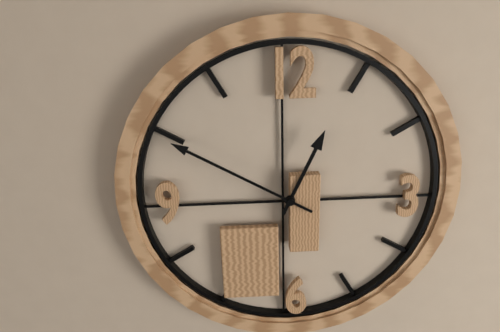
{"hour": 12, "minute": 50}
